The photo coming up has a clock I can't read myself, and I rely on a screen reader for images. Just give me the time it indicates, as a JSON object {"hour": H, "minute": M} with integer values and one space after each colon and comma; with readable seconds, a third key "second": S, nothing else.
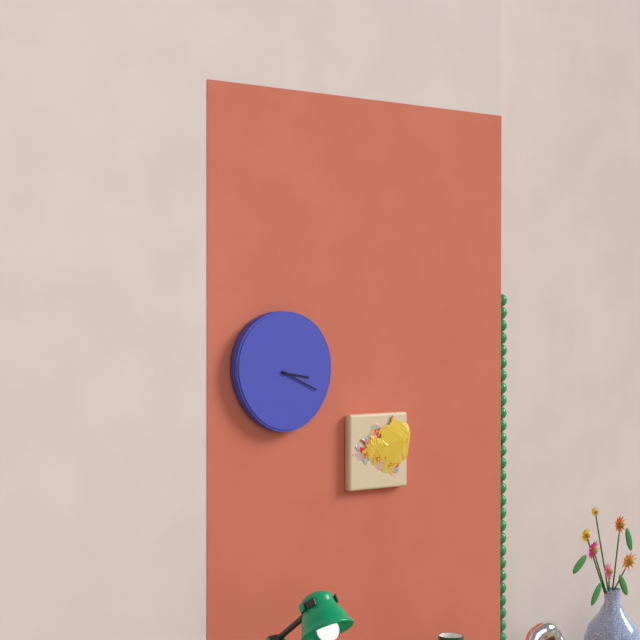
{"hour": 3, "minute": 19}
